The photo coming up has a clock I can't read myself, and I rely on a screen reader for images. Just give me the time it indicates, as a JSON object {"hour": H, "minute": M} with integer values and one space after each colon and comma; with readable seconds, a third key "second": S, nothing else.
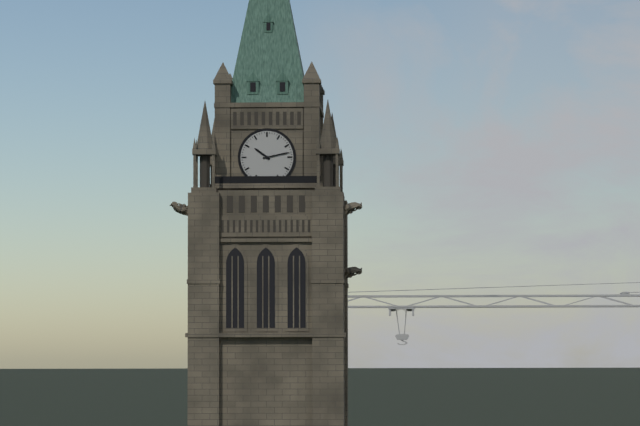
{"hour": 10, "minute": 13}
